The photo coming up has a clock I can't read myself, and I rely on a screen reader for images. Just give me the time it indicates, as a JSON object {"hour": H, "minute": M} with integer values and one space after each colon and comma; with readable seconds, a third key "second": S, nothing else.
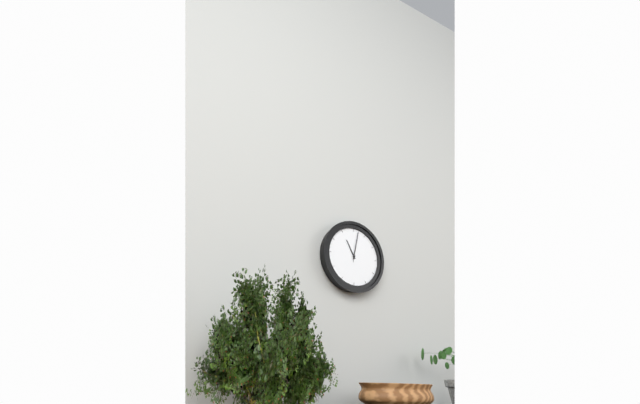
{"hour": 11, "minute": 2}
